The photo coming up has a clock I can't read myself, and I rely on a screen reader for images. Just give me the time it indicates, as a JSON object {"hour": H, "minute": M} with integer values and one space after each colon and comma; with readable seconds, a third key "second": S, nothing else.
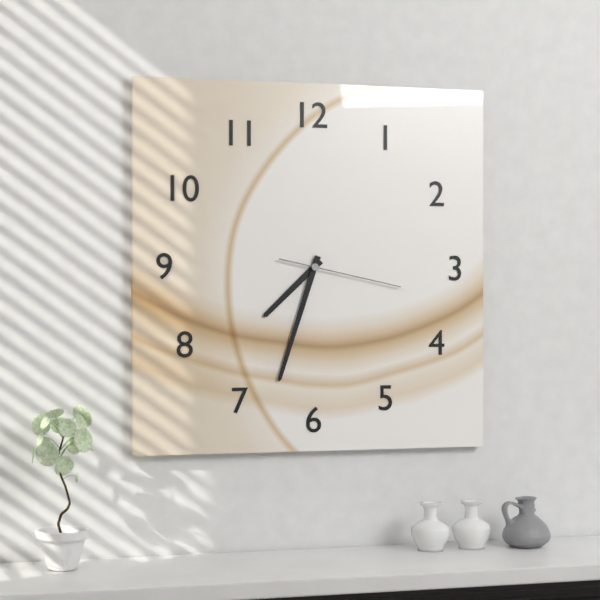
{"hour": 7, "minute": 33, "second": 17}
